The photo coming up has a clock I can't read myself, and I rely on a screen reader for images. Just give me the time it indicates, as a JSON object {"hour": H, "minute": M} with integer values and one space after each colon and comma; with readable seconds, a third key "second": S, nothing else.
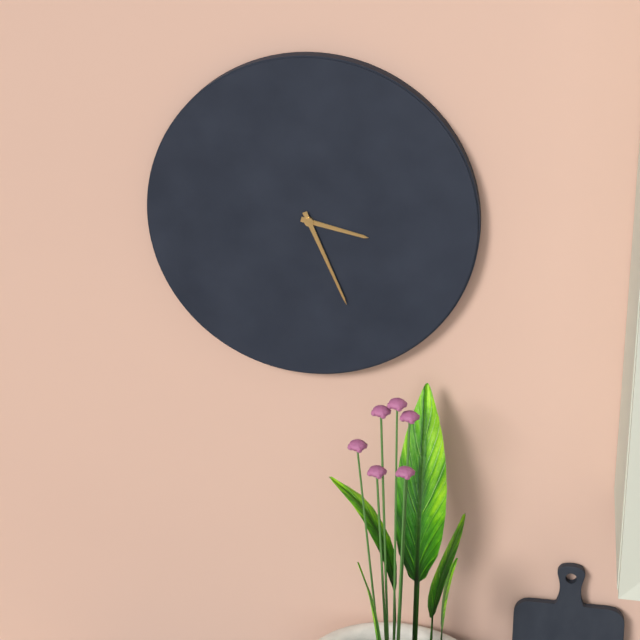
{"hour": 3, "minute": 26}
